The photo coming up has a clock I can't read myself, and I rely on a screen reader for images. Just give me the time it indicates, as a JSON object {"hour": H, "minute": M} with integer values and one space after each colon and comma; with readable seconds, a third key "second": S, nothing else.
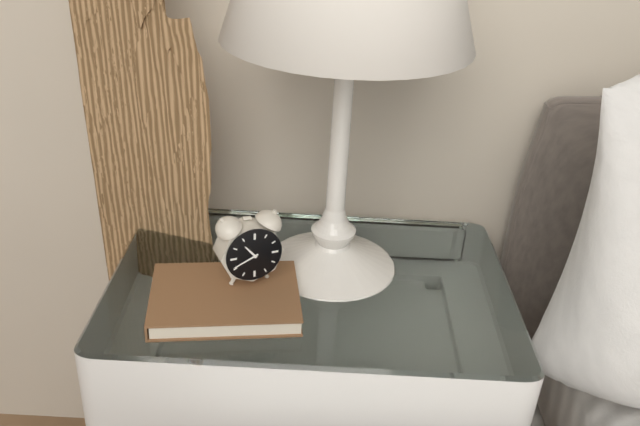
{"hour": 10, "minute": 41}
